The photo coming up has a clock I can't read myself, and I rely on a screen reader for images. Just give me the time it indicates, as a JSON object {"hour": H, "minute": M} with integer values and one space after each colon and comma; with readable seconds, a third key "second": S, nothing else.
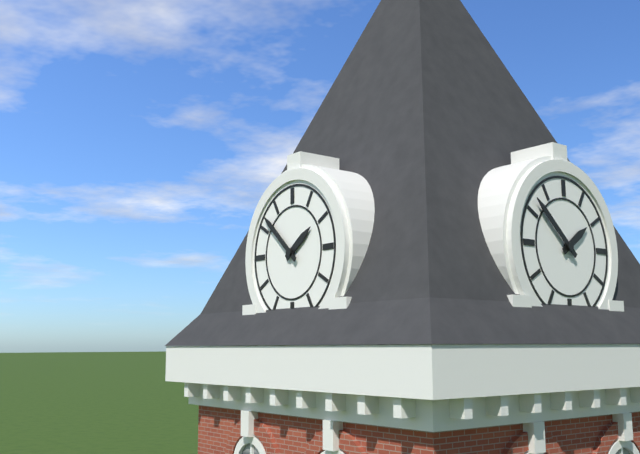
{"hour": 1, "minute": 52}
